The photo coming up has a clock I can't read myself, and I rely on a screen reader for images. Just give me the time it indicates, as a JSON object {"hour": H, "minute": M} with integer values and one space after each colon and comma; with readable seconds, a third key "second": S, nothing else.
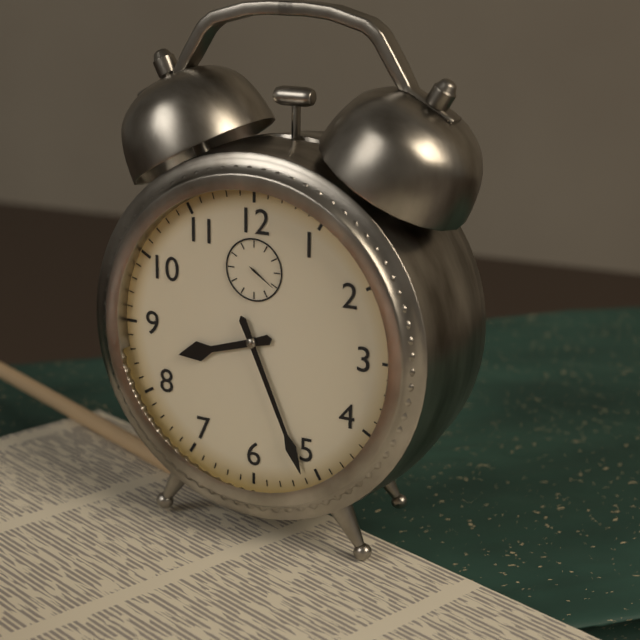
{"hour": 8, "minute": 26}
